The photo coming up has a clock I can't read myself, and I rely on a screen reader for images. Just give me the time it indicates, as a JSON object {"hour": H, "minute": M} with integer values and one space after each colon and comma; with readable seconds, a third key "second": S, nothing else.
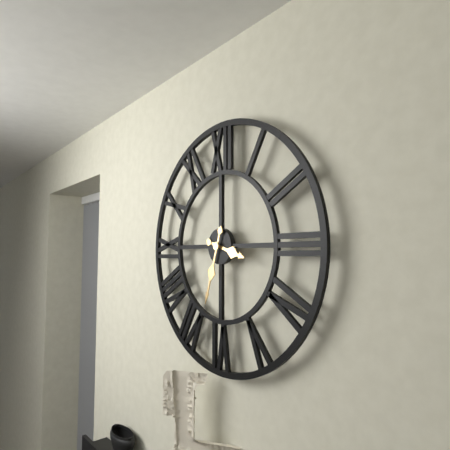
{"hour": 3, "minute": 33}
